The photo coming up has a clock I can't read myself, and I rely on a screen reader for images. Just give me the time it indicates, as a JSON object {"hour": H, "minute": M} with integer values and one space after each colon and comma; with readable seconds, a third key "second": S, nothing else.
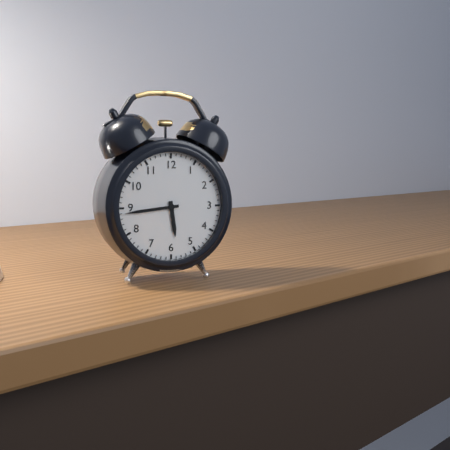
{"hour": 5, "minute": 44}
